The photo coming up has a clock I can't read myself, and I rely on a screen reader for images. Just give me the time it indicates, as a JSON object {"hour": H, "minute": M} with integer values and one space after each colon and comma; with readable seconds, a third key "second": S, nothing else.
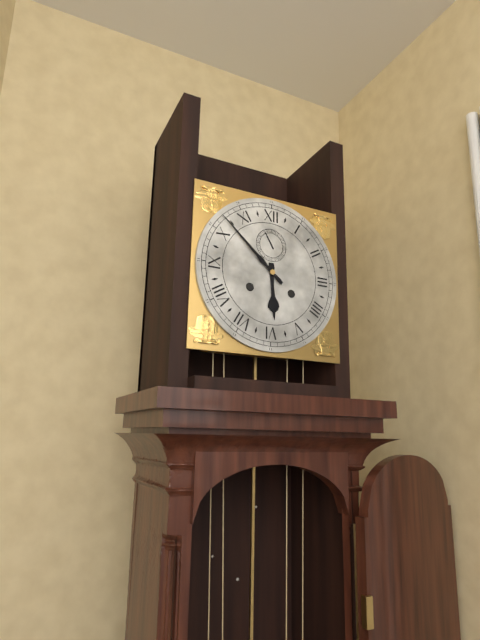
{"hour": 5, "minute": 52}
